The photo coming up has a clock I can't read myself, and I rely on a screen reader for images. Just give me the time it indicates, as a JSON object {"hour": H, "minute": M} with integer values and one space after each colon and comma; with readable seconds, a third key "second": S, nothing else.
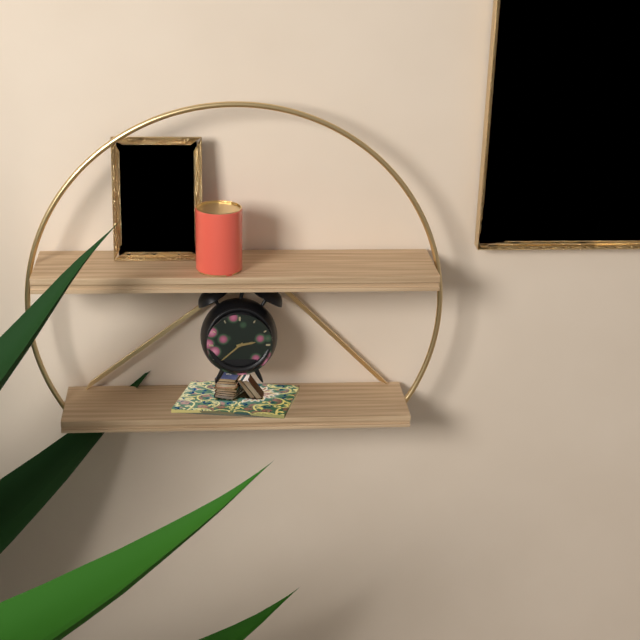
{"hour": 2, "minute": 38}
